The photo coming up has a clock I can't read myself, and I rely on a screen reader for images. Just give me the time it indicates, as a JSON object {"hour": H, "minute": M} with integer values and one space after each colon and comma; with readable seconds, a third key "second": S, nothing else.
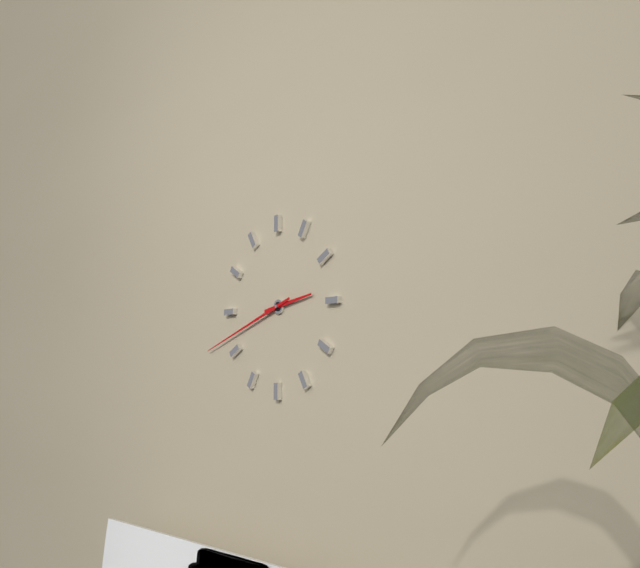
{"hour": 2, "minute": 42}
